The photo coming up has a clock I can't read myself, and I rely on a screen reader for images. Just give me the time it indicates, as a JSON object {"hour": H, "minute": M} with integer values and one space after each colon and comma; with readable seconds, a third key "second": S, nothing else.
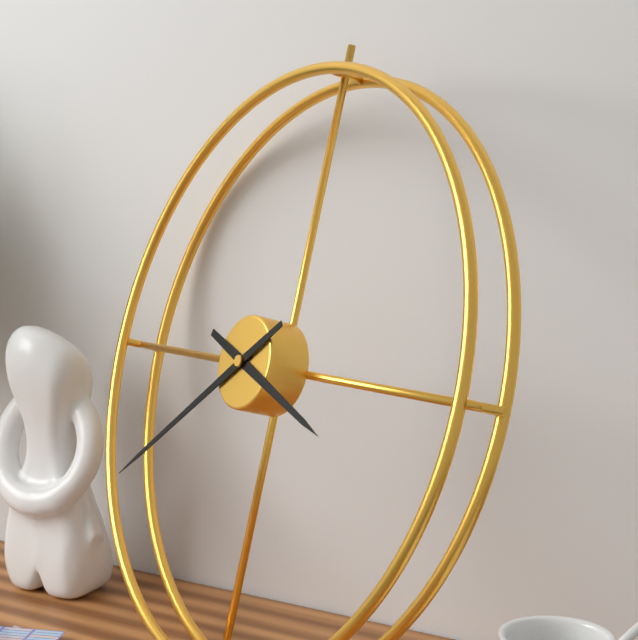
{"hour": 3, "minute": 39}
